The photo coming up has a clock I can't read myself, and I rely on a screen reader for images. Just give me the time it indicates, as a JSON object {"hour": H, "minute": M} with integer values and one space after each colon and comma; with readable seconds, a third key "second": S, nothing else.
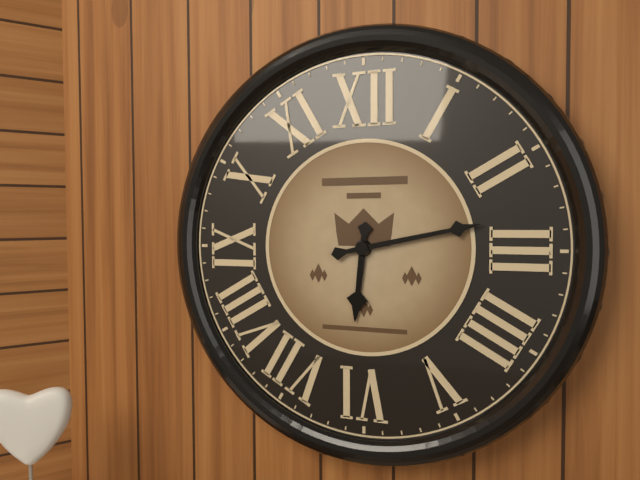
{"hour": 6, "minute": 13}
